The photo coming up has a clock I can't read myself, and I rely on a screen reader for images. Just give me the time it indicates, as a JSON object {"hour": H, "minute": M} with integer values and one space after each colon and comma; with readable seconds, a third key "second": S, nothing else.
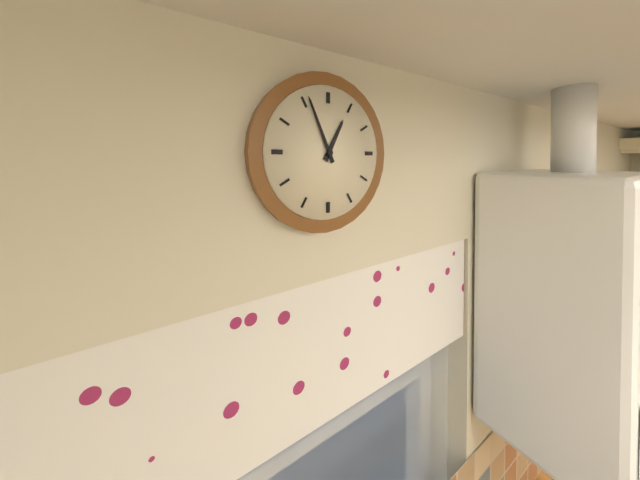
{"hour": 12, "minute": 56}
